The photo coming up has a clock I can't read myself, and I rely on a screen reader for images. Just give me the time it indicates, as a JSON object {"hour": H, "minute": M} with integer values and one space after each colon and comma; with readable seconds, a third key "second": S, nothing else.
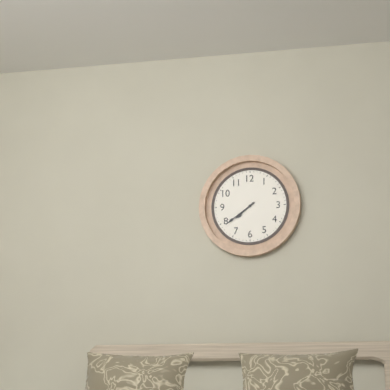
{"hour": 7, "minute": 39}
